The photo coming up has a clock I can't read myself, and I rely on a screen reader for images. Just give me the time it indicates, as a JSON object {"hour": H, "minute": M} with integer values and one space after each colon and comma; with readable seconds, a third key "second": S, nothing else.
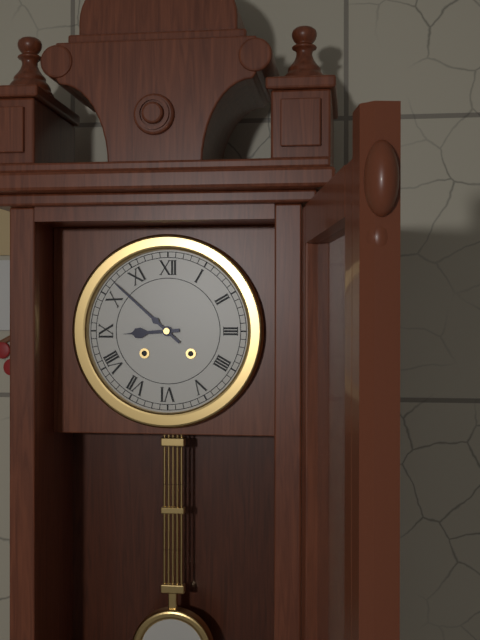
{"hour": 8, "minute": 52}
